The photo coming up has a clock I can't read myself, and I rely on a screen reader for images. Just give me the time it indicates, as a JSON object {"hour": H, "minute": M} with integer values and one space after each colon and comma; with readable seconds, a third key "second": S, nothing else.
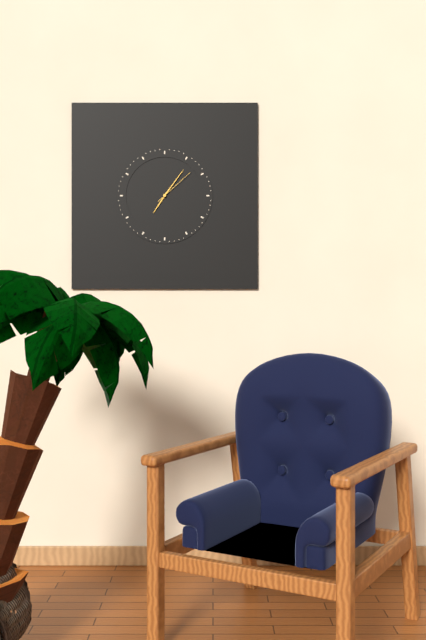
{"hour": 7, "minute": 6}
